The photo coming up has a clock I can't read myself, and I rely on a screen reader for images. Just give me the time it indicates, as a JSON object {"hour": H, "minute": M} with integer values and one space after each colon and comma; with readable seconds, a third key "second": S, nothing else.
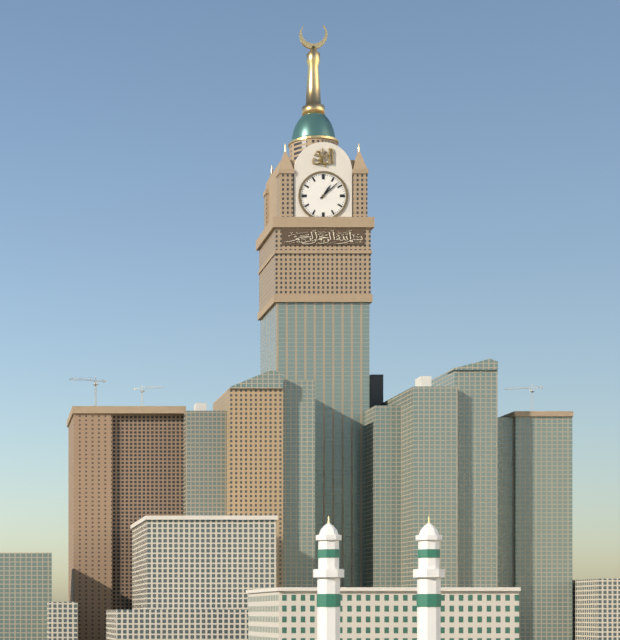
{"hour": 1, "minute": 8}
